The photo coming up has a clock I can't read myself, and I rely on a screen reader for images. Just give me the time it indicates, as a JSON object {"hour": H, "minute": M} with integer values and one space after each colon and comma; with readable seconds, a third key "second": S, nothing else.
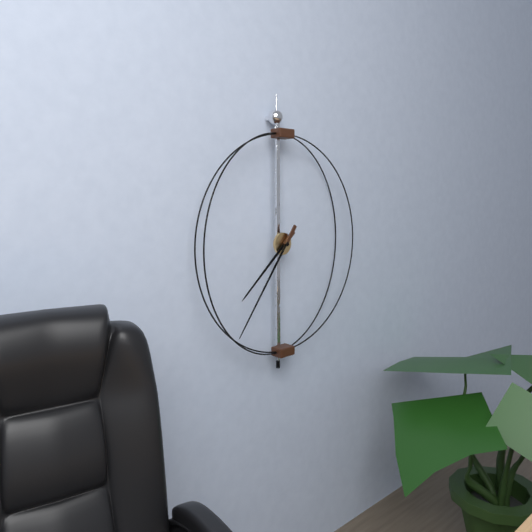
{"hour": 7, "minute": 36}
